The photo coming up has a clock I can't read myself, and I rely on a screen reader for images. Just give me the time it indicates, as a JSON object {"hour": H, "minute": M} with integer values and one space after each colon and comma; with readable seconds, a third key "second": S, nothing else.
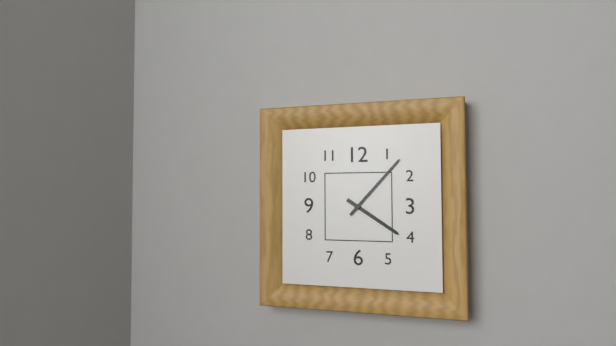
{"hour": 4, "minute": 7}
